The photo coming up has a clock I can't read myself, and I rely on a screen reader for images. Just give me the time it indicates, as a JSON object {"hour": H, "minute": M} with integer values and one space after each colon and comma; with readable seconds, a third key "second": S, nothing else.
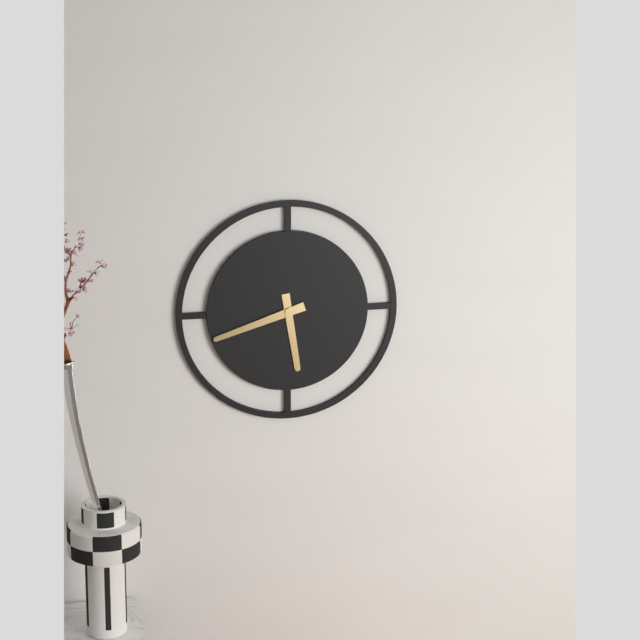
{"hour": 5, "minute": 42}
